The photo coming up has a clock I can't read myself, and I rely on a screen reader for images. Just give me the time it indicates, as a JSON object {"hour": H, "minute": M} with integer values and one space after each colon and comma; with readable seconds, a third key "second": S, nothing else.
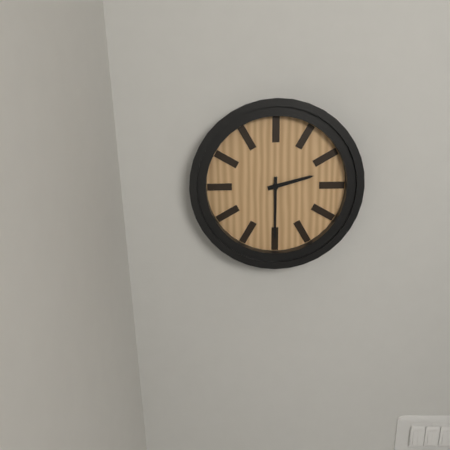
{"hour": 2, "minute": 30}
